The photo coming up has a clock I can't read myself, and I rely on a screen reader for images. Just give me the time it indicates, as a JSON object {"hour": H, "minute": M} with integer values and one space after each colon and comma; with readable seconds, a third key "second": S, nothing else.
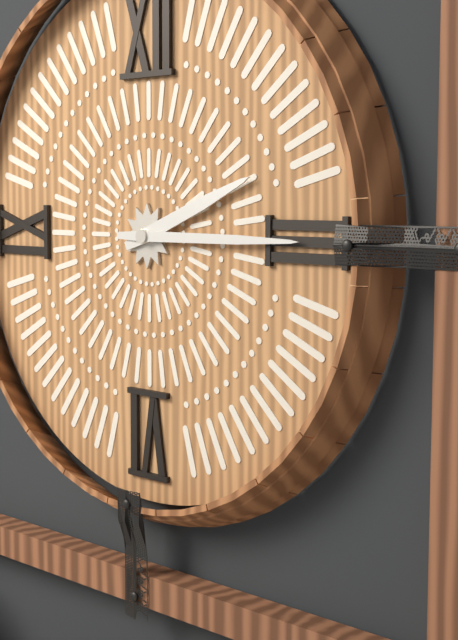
{"hour": 2, "minute": 15}
